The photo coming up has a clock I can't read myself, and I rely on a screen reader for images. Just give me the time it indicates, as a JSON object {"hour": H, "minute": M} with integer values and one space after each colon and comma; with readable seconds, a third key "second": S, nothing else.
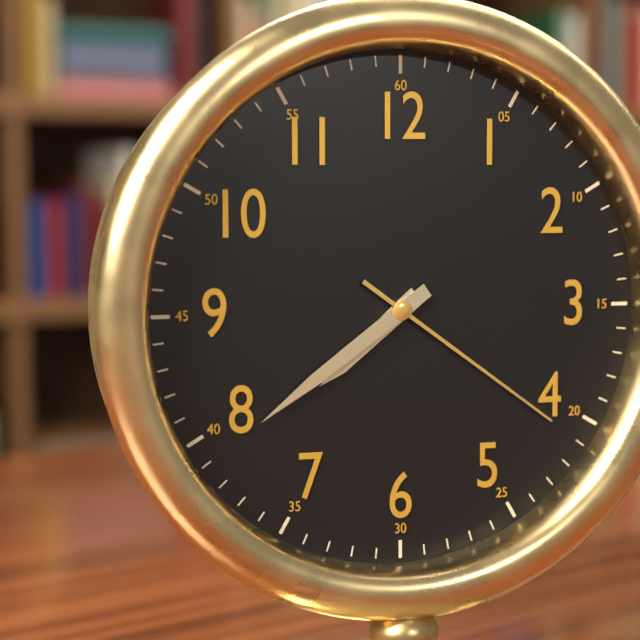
{"hour": 7, "minute": 39, "second": 21}
